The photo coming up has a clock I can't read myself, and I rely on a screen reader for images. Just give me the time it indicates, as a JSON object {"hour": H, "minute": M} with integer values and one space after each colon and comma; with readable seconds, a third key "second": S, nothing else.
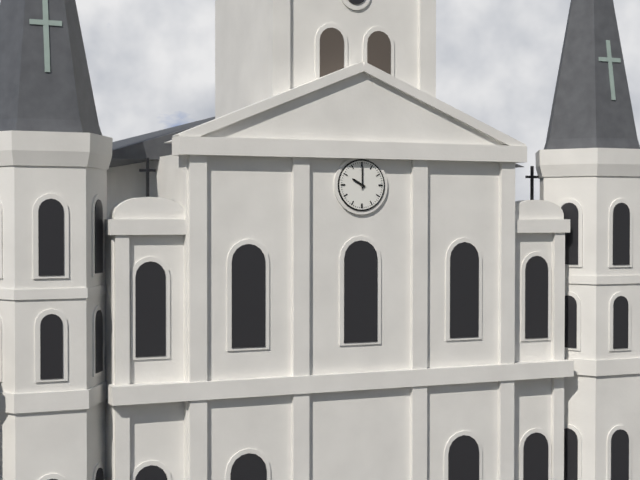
{"hour": 10, "minute": 0}
